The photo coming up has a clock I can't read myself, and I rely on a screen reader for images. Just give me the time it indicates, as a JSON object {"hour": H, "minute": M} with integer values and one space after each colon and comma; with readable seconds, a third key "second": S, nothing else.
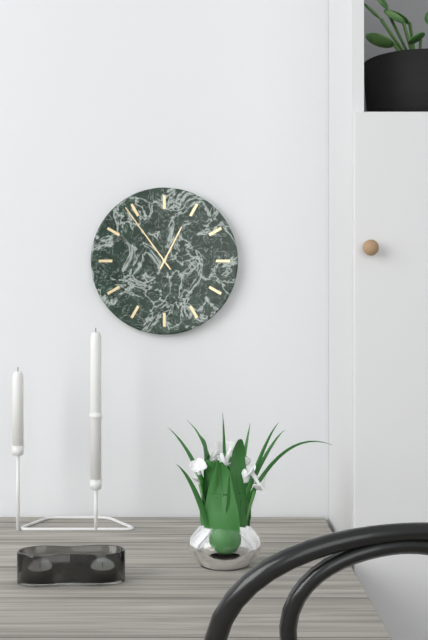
{"hour": 12, "minute": 54}
